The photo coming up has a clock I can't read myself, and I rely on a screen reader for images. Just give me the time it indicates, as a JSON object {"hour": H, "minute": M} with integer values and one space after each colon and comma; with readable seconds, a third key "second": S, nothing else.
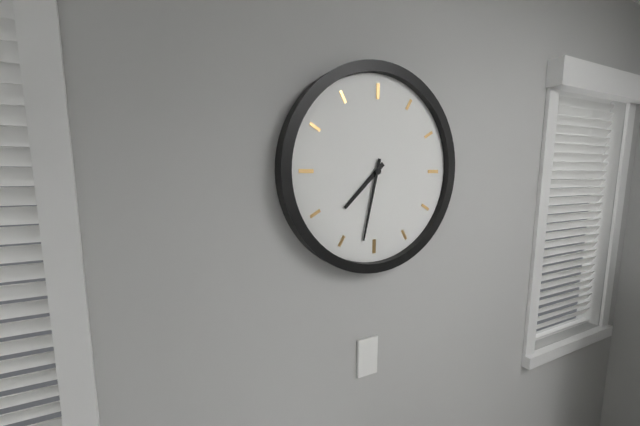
{"hour": 7, "minute": 32}
